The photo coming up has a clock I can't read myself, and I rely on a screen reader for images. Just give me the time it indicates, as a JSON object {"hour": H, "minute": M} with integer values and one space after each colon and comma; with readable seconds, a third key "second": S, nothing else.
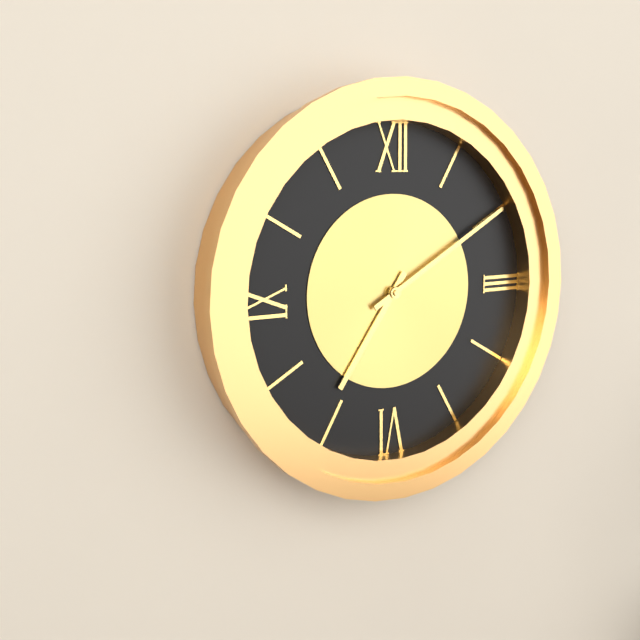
{"hour": 7, "minute": 10}
